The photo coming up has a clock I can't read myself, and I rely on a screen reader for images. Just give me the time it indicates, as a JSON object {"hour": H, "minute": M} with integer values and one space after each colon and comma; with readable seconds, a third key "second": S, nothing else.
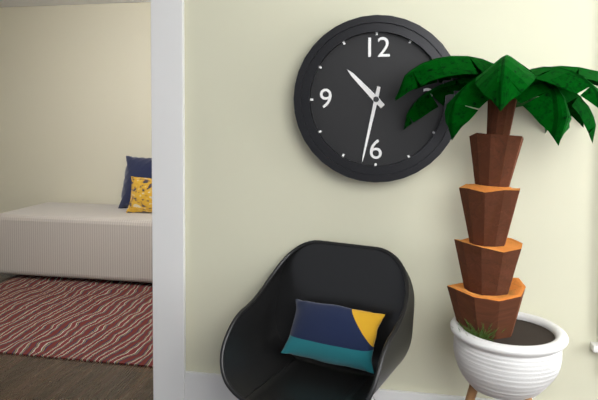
{"hour": 10, "minute": 32}
